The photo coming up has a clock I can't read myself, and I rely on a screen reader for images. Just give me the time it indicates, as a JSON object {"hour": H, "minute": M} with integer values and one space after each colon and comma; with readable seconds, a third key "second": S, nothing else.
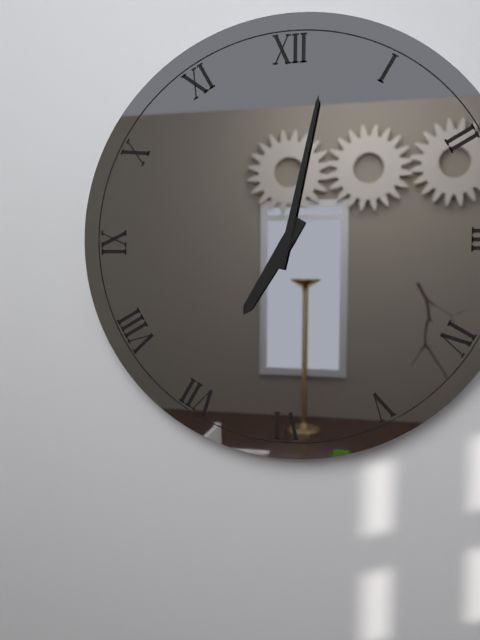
{"hour": 7, "minute": 2}
